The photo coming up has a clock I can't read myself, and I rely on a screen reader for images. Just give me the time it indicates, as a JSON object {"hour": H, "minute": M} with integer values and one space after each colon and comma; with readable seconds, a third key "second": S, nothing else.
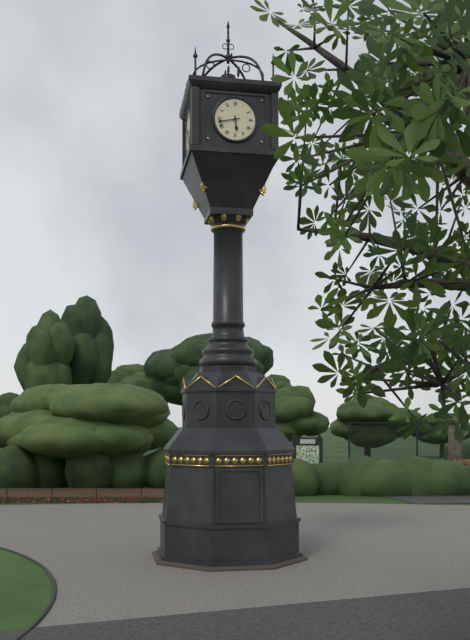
{"hour": 5, "minute": 43}
